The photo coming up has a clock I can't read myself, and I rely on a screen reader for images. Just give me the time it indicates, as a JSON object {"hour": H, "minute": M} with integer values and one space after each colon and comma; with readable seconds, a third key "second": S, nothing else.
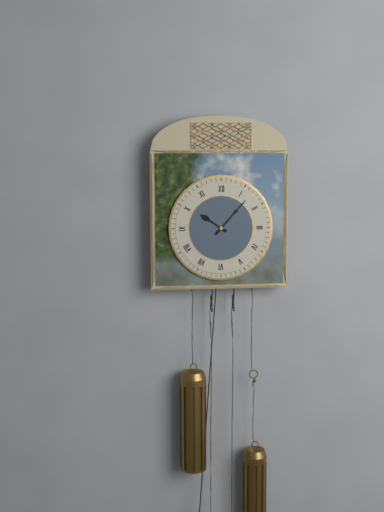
{"hour": 10, "minute": 7}
